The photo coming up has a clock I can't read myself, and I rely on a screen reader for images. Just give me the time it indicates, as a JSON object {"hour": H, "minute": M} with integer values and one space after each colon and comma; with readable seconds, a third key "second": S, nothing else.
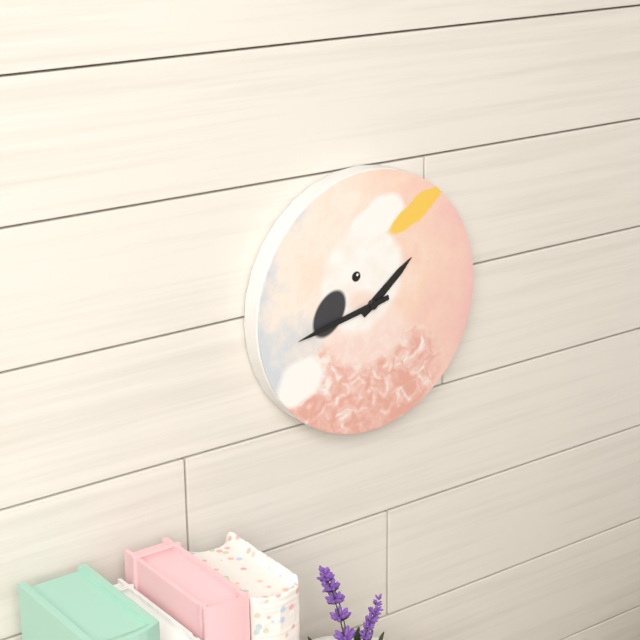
{"hour": 1, "minute": 43}
